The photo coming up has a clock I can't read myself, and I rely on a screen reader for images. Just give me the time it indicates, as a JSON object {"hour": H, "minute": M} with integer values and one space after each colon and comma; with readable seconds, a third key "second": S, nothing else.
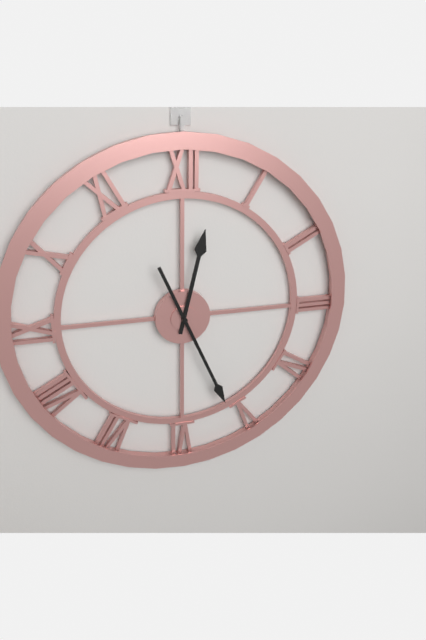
{"hour": 12, "minute": 26}
